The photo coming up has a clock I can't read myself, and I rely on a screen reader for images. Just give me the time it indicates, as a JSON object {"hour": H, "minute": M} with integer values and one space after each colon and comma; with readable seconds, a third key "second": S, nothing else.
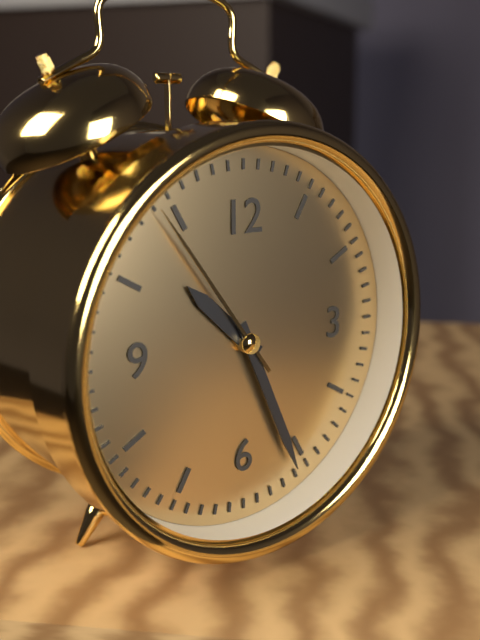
{"hour": 10, "minute": 26, "second": 54}
